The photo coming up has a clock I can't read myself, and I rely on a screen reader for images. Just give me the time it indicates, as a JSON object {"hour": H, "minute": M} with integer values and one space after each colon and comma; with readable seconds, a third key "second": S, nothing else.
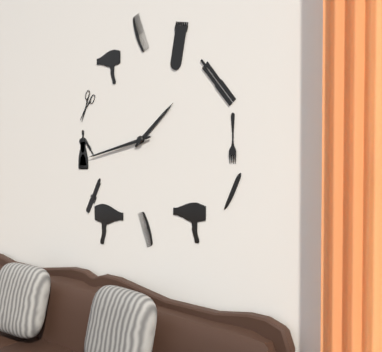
{"hour": 1, "minute": 43}
